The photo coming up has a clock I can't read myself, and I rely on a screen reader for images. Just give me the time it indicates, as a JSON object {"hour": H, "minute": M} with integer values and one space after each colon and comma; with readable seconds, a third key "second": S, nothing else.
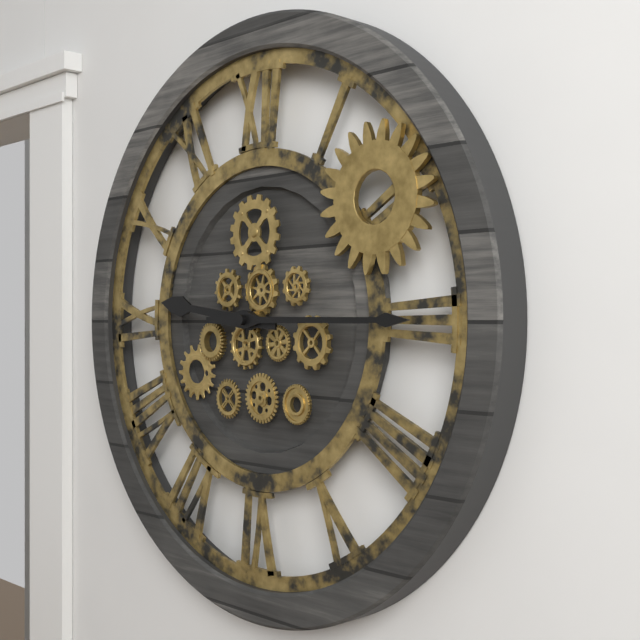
{"hour": 9, "minute": 15}
